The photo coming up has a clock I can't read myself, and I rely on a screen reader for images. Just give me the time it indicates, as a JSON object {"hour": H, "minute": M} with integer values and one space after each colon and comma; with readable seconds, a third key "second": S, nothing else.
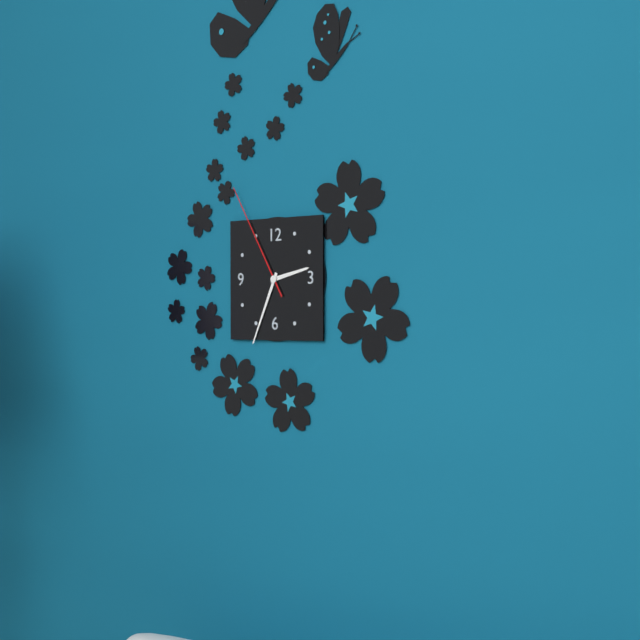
{"hour": 2, "minute": 34, "second": 55}
